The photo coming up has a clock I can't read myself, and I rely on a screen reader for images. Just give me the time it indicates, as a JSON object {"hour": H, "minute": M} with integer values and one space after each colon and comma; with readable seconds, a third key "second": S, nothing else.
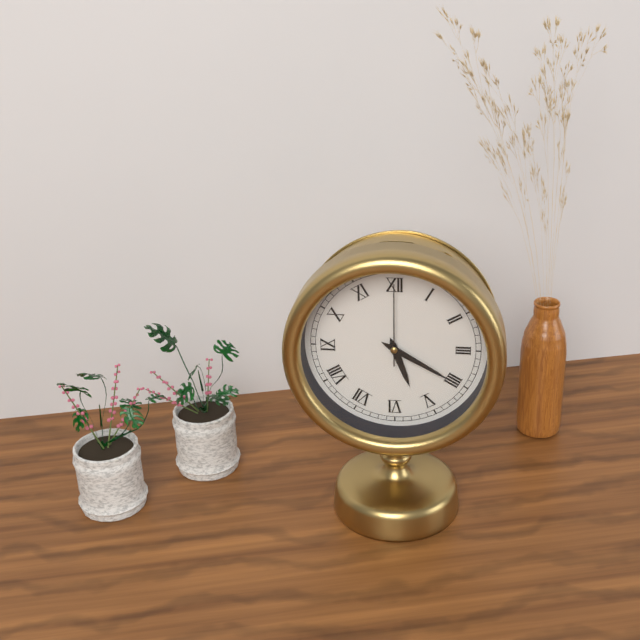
{"hour": 5, "minute": 20, "second": 0}
